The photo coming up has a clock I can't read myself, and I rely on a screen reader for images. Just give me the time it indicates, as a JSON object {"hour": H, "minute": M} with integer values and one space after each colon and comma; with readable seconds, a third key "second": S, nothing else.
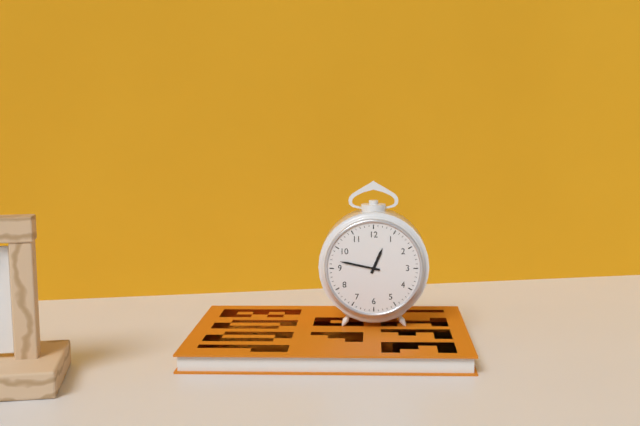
{"hour": 12, "minute": 47}
